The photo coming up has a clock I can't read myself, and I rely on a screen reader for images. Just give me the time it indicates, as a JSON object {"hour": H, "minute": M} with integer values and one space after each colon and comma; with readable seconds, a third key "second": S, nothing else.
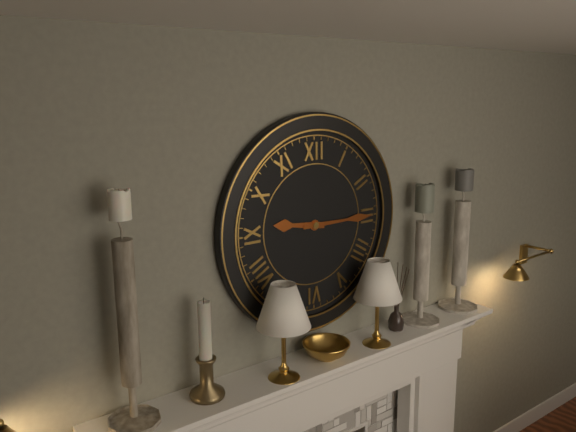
{"hour": 9, "minute": 15}
